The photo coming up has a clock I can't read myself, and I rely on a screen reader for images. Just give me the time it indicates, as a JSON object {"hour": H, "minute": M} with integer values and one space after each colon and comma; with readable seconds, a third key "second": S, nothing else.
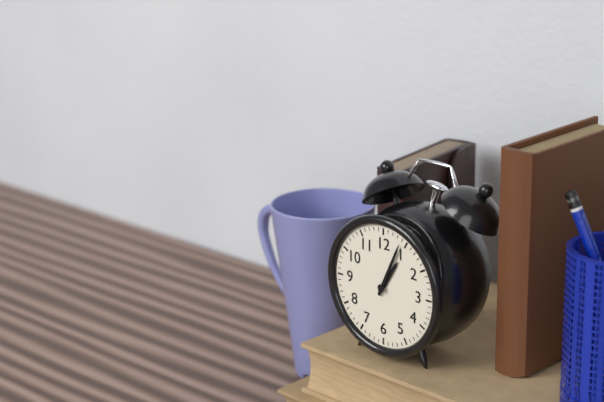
{"hour": 1, "minute": 4}
